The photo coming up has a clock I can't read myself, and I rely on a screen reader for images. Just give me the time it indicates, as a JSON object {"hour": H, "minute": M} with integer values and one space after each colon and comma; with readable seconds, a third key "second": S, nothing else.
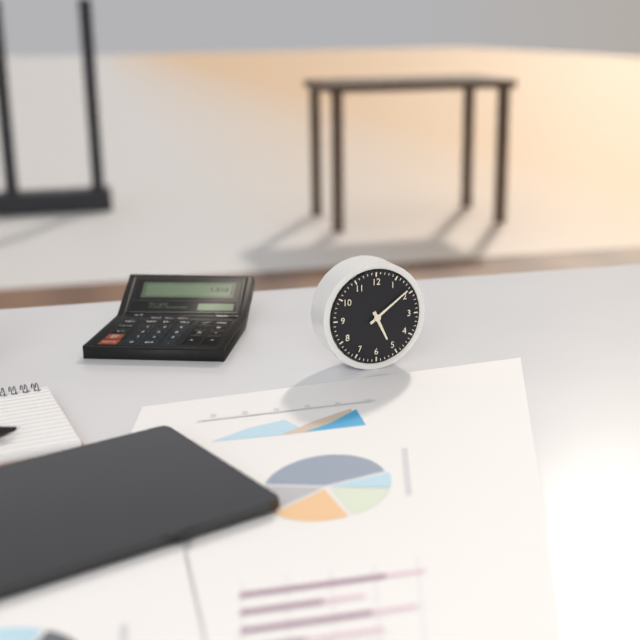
{"hour": 5, "minute": 9}
